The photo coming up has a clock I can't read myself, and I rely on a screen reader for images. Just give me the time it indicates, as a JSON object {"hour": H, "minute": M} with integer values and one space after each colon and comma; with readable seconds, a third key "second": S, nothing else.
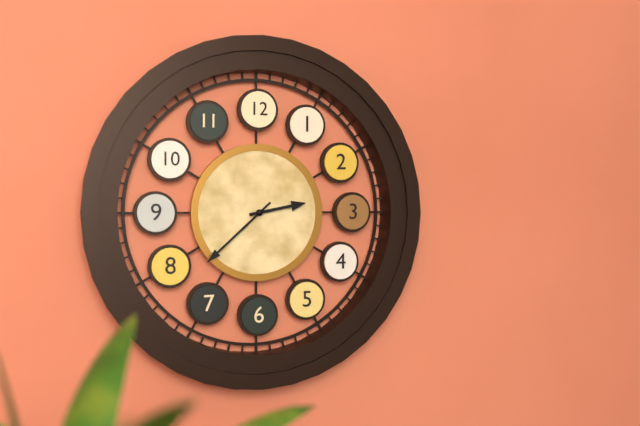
{"hour": 2, "minute": 38}
